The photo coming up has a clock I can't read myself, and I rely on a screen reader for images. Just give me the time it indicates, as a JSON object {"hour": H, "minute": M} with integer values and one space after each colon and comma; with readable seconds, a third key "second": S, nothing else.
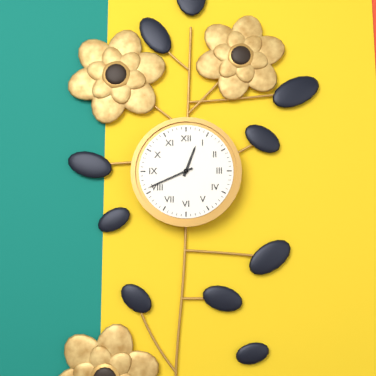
{"hour": 12, "minute": 41}
